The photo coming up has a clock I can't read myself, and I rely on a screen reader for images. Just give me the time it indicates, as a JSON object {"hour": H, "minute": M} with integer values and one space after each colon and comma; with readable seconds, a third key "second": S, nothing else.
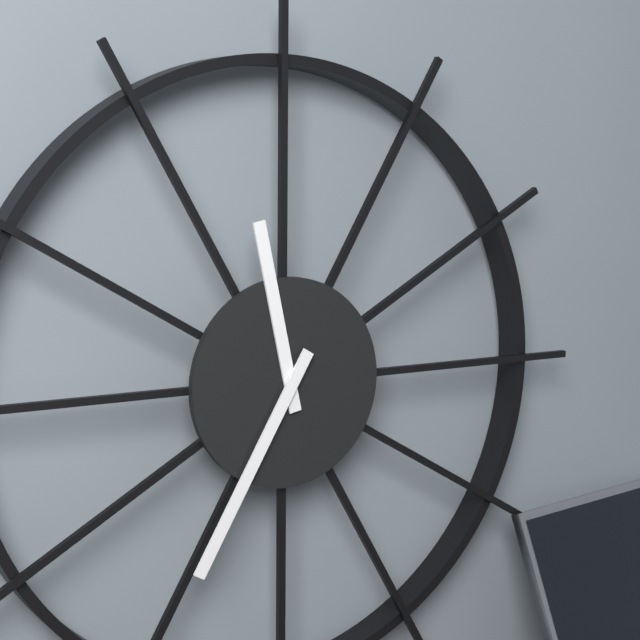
{"hour": 11, "minute": 35}
